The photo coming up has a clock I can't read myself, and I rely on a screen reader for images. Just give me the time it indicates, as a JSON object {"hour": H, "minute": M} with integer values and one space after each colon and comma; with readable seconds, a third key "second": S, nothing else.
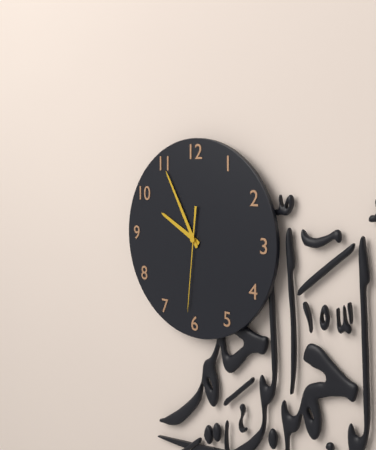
{"hour": 9, "minute": 55, "second": 31}
